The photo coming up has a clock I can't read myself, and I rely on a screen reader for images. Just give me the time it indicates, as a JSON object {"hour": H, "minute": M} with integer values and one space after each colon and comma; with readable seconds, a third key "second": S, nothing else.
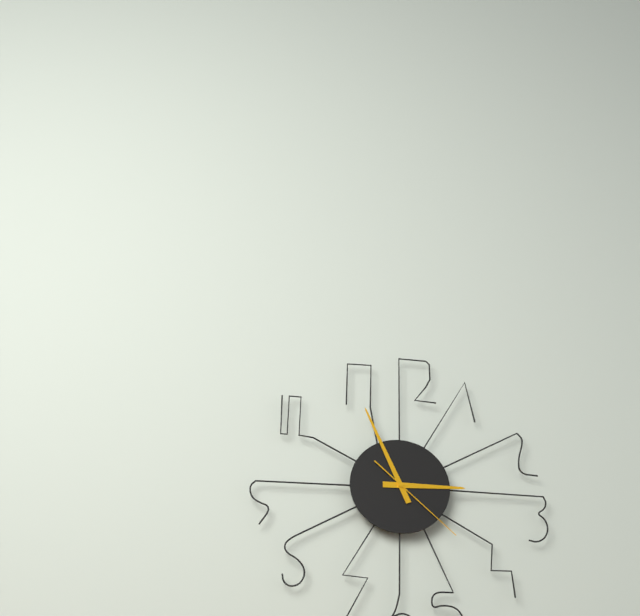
{"hour": 2, "minute": 56, "second": 22}
